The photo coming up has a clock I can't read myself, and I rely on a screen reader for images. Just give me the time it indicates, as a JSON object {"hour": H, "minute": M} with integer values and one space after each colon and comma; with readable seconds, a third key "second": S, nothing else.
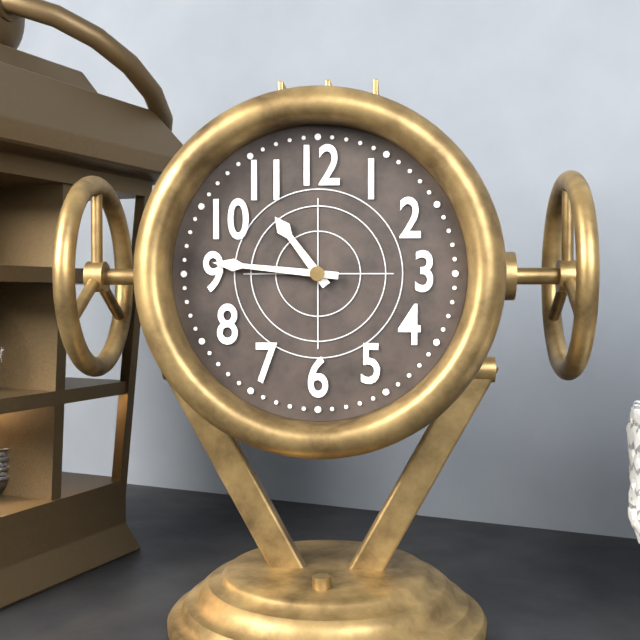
{"hour": 10, "minute": 46}
